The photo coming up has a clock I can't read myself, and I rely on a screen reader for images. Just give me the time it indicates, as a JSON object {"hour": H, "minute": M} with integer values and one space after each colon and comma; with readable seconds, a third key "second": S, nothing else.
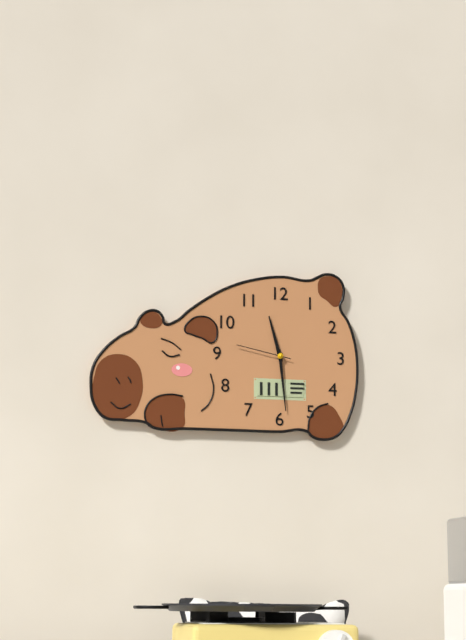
{"hour": 11, "minute": 29, "second": 47}
